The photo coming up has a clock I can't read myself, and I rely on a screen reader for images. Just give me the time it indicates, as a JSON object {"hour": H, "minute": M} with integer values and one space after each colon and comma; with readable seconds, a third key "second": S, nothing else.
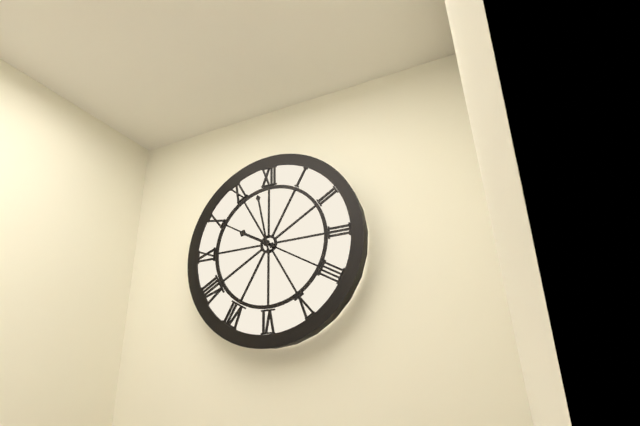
{"hour": 9, "minute": 58}
